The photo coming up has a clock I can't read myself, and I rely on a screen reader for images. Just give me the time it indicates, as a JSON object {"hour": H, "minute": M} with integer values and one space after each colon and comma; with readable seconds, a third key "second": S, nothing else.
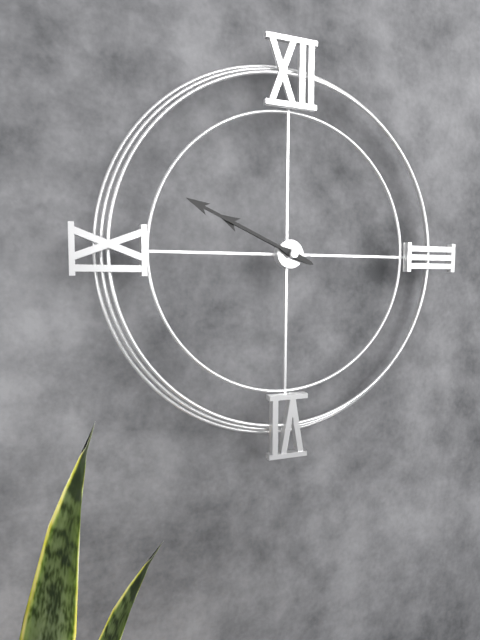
{"hour": 9, "minute": 49}
